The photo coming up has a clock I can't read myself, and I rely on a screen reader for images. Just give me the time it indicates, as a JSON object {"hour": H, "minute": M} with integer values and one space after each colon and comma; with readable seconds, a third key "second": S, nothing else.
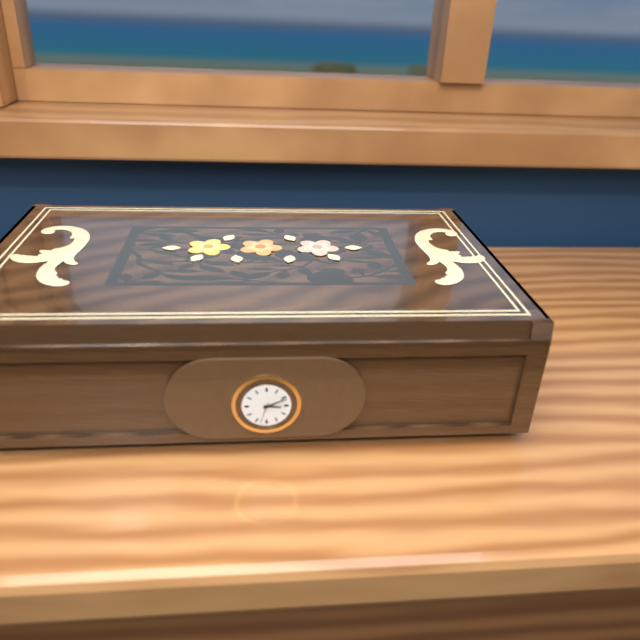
{"hour": 3, "minute": 11, "second": 33}
